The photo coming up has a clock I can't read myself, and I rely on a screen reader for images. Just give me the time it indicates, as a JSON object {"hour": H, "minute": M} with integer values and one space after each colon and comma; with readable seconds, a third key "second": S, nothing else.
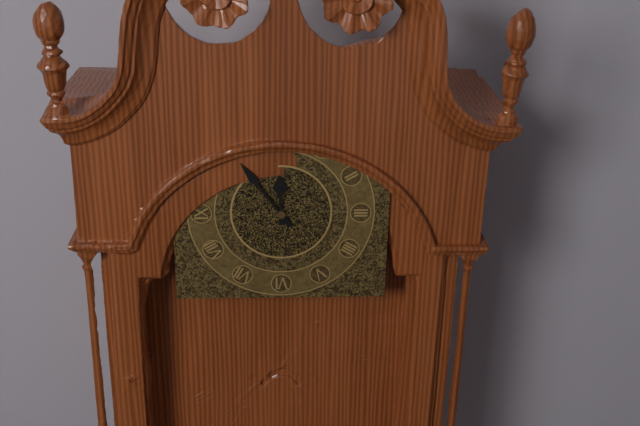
{"hour": 11, "minute": 54}
